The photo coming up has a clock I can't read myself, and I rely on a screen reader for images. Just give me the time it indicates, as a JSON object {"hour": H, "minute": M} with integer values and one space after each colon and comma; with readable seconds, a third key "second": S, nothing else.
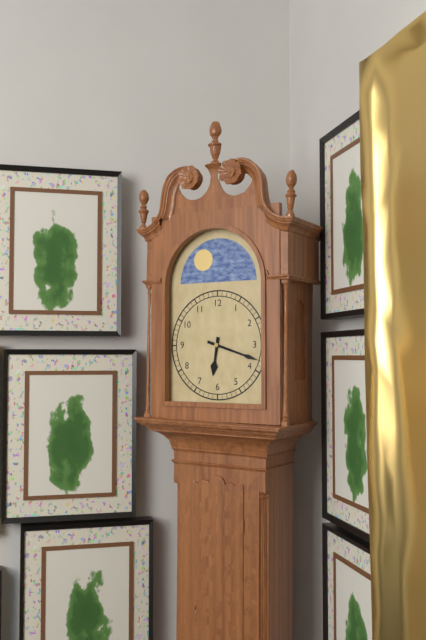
{"hour": 6, "minute": 18}
